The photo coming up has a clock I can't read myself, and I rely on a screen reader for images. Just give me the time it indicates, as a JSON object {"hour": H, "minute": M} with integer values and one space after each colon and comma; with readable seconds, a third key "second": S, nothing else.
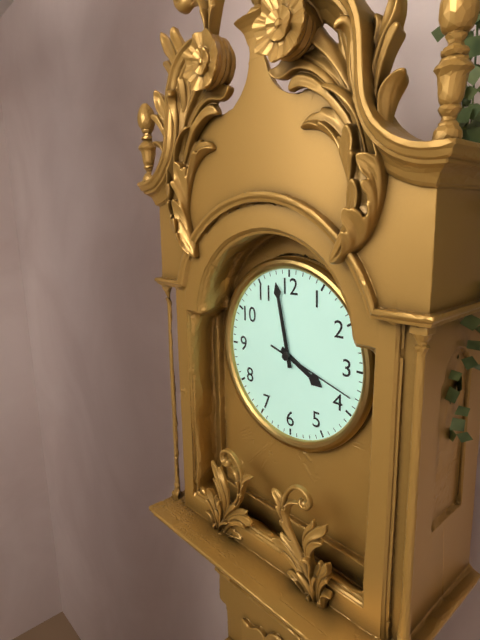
{"hour": 3, "minute": 58, "second": 18}
